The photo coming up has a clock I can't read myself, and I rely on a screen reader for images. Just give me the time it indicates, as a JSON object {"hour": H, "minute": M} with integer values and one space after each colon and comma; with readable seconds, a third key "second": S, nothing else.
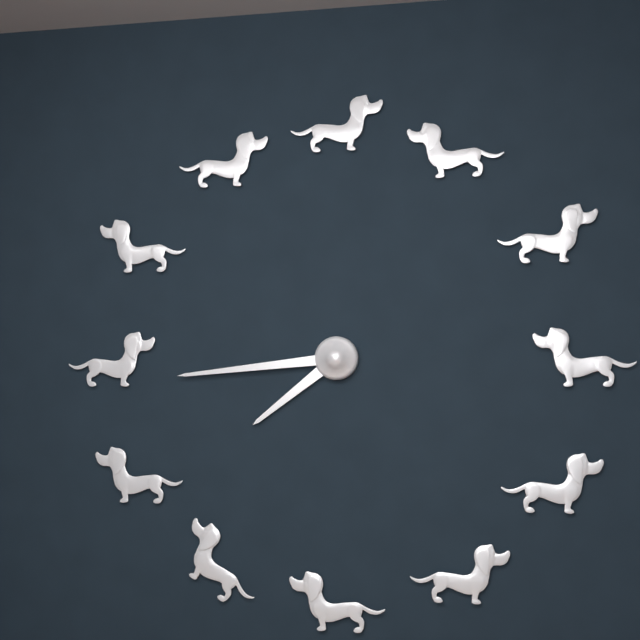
{"hour": 7, "minute": 44}
